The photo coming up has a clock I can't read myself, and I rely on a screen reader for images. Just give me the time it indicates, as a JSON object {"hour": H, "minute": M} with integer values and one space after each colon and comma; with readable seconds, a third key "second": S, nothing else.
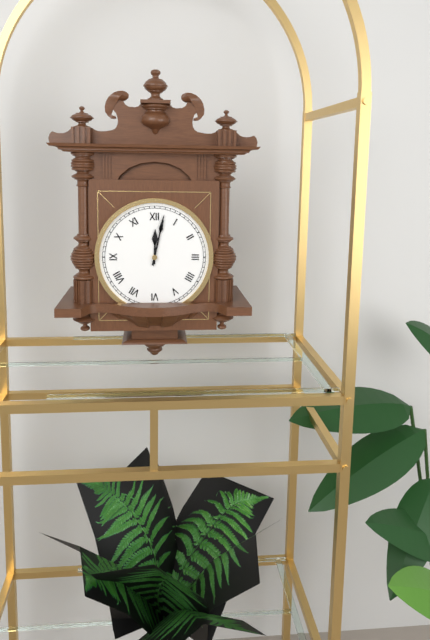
{"hour": 12, "minute": 2}
